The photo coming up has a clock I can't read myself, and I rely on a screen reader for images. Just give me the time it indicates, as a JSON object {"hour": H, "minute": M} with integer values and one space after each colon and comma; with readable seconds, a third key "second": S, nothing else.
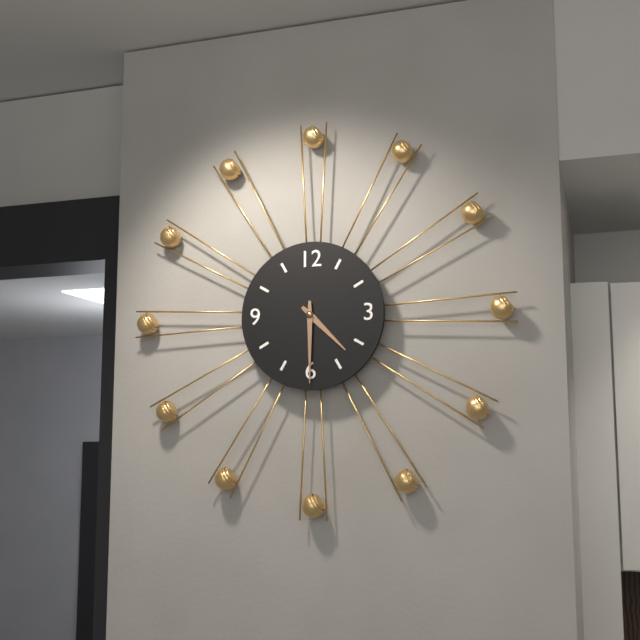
{"hour": 4, "minute": 30}
